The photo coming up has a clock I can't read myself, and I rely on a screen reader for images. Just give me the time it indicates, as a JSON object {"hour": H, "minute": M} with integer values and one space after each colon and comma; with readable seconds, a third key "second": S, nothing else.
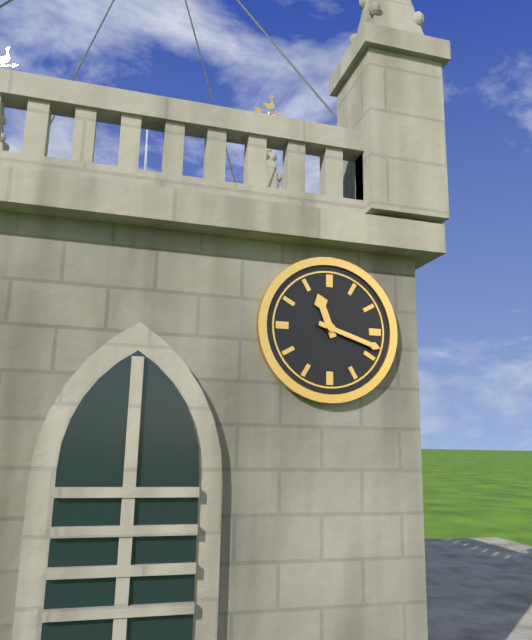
{"hour": 11, "minute": 18}
